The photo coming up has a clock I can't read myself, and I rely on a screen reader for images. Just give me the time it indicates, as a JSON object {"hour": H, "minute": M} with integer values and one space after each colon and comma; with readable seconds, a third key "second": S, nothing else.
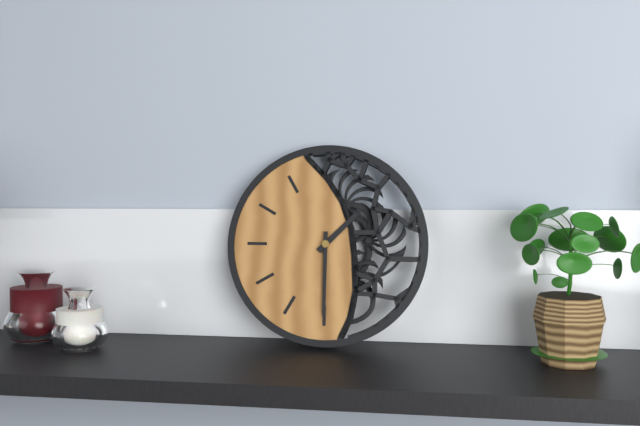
{"hour": 1, "minute": 30}
